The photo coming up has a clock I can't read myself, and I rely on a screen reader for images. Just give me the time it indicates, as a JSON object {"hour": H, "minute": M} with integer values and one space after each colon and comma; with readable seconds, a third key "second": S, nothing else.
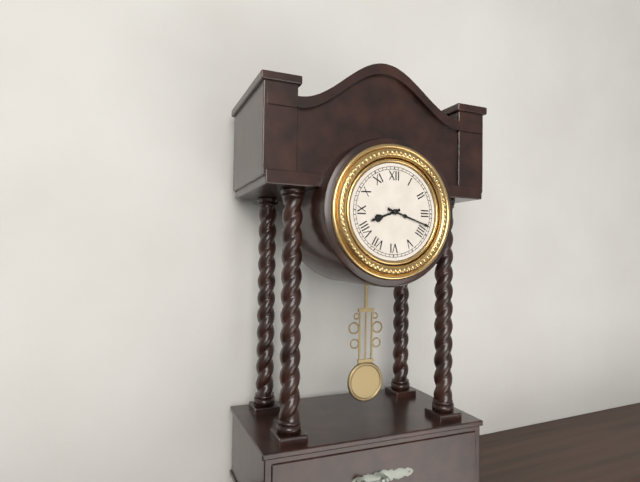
{"hour": 8, "minute": 18}
